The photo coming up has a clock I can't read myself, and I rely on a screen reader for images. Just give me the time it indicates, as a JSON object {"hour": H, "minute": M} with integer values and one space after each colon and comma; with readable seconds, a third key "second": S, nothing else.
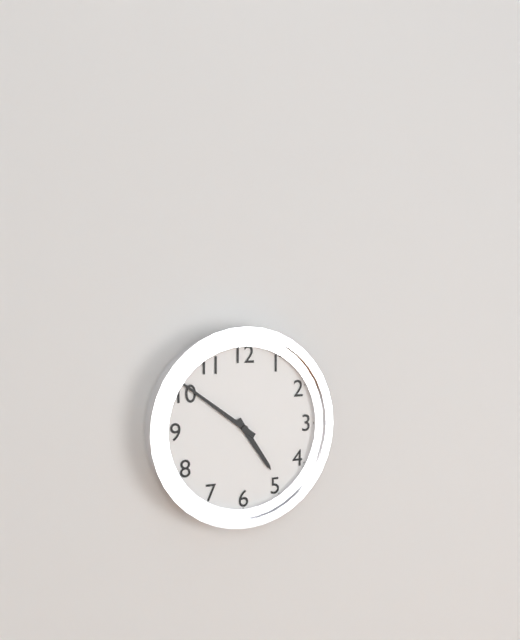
{"hour": 4, "minute": 51}
